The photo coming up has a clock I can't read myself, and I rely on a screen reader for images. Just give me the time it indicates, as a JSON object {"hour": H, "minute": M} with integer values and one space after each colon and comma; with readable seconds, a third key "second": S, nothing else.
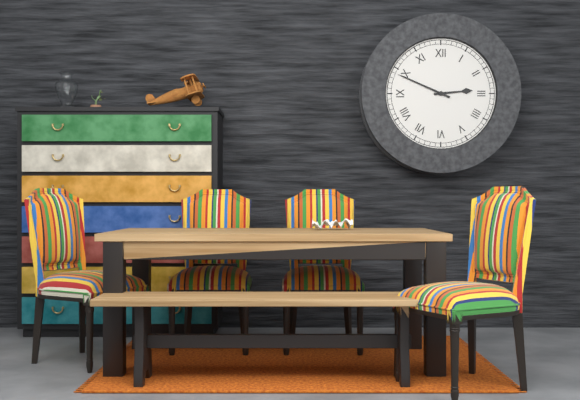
{"hour": 2, "minute": 49}
